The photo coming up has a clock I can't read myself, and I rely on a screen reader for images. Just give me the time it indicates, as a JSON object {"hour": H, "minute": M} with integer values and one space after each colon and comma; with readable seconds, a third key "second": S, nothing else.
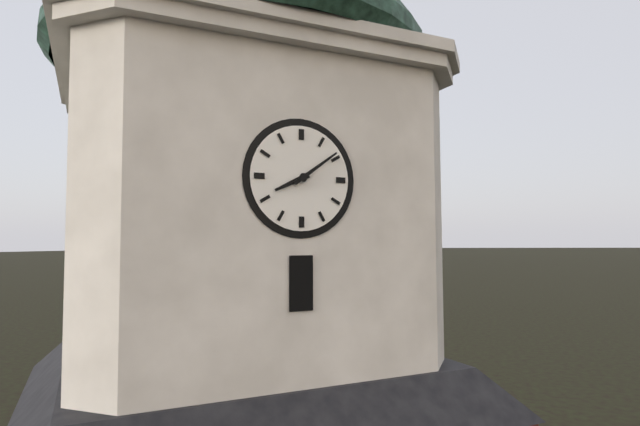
{"hour": 8, "minute": 9}
